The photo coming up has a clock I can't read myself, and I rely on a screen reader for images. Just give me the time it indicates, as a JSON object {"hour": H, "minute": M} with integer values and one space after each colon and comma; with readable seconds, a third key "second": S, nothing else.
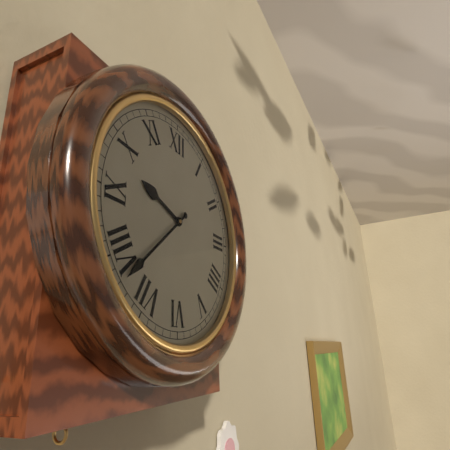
{"hour": 9, "minute": 38}
